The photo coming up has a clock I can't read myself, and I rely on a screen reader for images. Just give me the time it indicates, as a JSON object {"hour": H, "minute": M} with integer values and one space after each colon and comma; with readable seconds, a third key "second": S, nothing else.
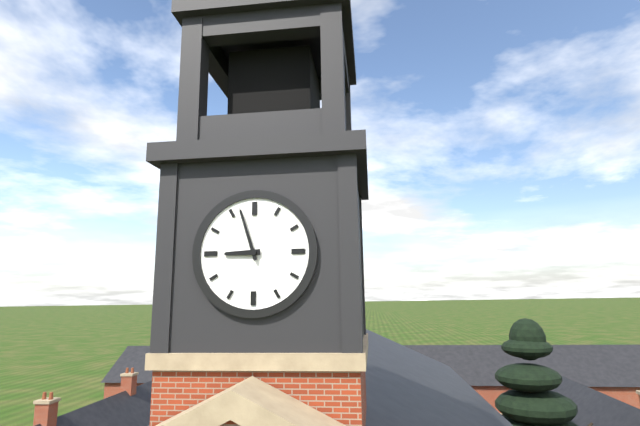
{"hour": 8, "minute": 57}
